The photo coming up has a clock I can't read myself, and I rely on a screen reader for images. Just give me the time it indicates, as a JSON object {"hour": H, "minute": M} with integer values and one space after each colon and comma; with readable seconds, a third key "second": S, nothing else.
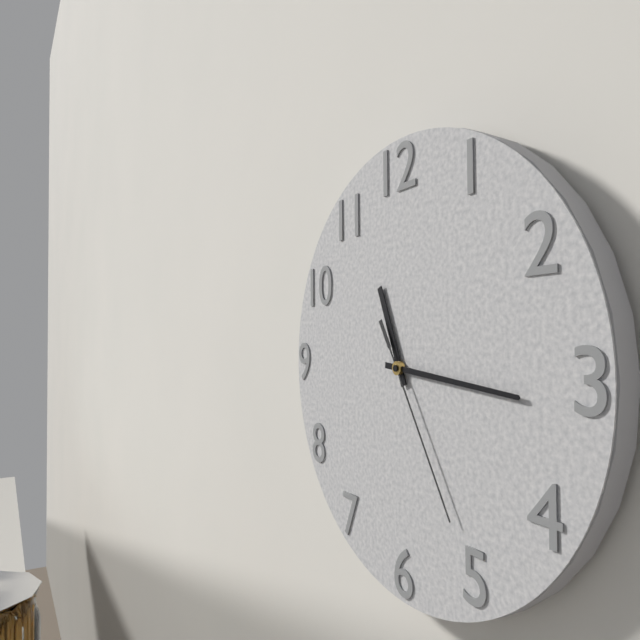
{"hour": 11, "minute": 16, "second": 25}
